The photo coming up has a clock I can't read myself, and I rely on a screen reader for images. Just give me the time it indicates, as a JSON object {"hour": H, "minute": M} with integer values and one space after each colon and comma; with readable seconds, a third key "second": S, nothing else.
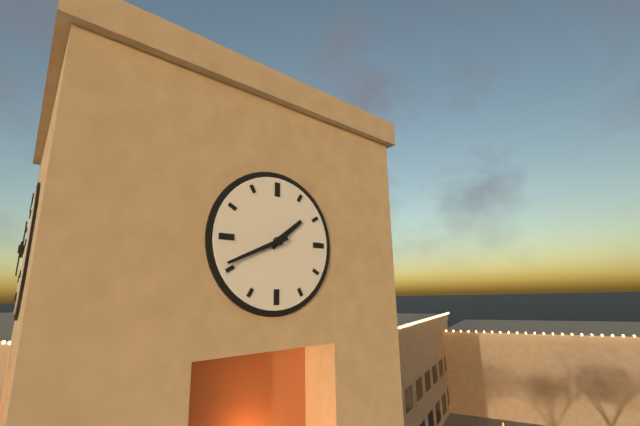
{"hour": 1, "minute": 41}
